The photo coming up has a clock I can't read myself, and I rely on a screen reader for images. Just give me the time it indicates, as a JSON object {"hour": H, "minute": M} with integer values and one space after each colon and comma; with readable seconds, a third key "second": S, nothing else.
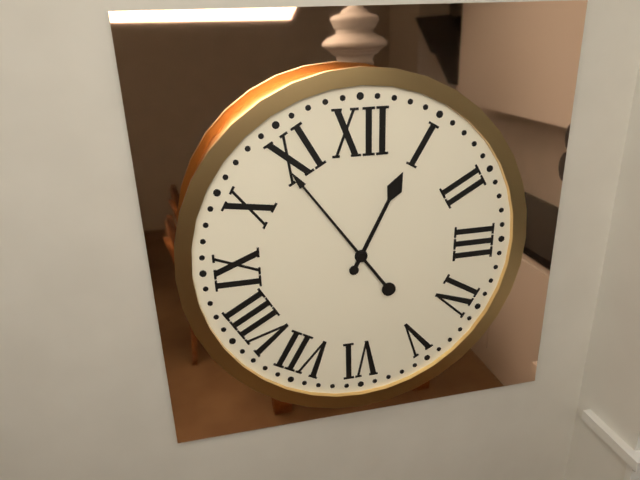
{"hour": 12, "minute": 54}
